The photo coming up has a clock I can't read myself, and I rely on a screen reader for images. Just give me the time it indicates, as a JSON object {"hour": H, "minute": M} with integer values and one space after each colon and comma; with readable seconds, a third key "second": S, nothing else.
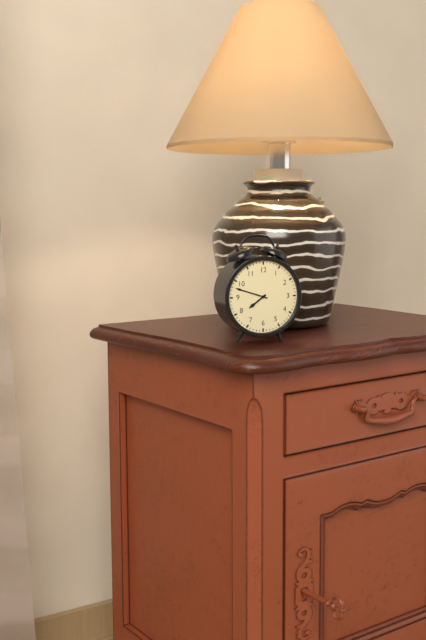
{"hour": 7, "minute": 48}
